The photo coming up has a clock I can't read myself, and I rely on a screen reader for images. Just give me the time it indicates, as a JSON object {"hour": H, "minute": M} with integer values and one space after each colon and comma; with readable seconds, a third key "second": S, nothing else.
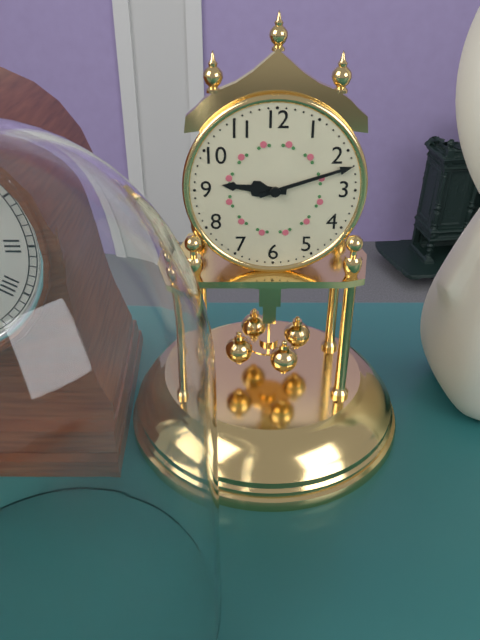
{"hour": 9, "minute": 12}
